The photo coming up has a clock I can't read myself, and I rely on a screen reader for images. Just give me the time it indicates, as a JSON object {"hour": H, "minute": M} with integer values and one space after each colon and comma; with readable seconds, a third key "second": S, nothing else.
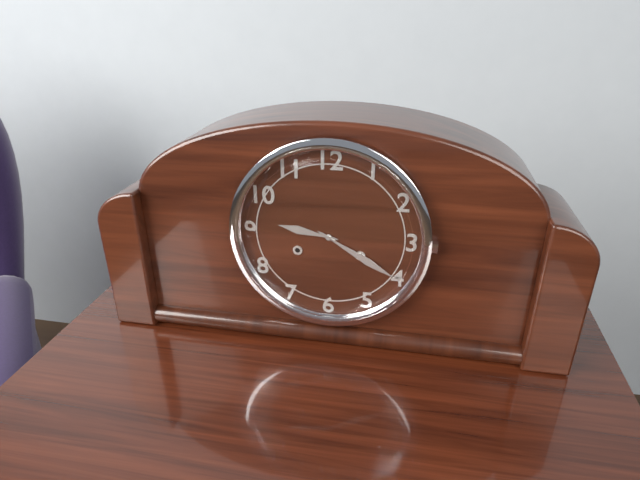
{"hour": 9, "minute": 20}
